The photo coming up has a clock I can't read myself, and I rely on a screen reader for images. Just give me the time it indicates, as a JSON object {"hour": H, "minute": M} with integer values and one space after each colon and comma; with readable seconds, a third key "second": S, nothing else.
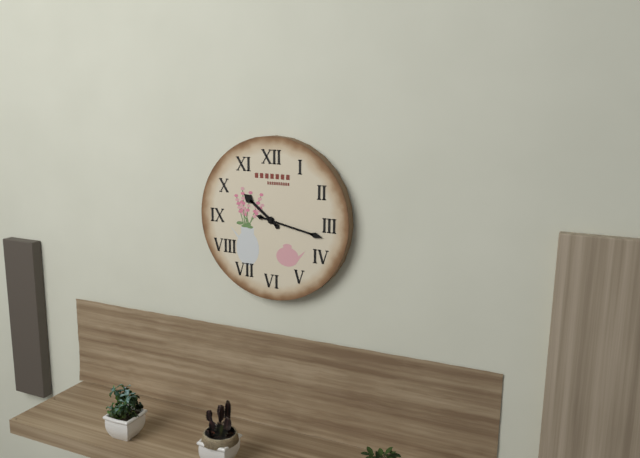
{"hour": 10, "minute": 17}
